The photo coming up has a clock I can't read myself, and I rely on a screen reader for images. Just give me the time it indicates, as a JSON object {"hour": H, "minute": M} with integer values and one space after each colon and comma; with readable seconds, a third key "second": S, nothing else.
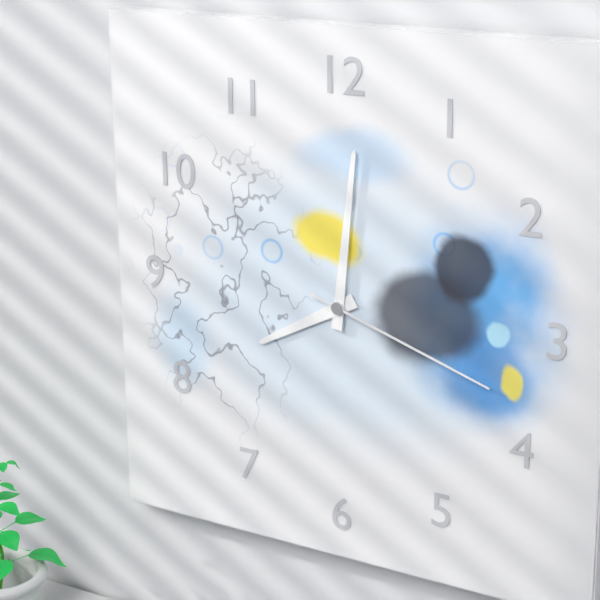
{"hour": 8, "minute": 1, "second": 18}
